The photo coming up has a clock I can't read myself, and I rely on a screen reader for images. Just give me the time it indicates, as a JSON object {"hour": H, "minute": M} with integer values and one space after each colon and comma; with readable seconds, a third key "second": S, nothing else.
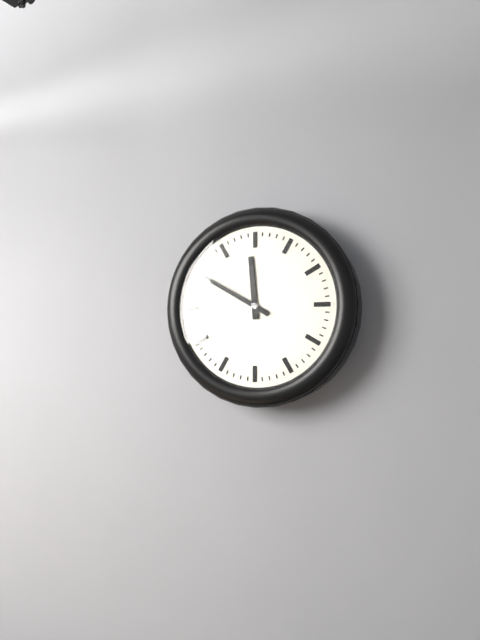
{"hour": 11, "minute": 50}
